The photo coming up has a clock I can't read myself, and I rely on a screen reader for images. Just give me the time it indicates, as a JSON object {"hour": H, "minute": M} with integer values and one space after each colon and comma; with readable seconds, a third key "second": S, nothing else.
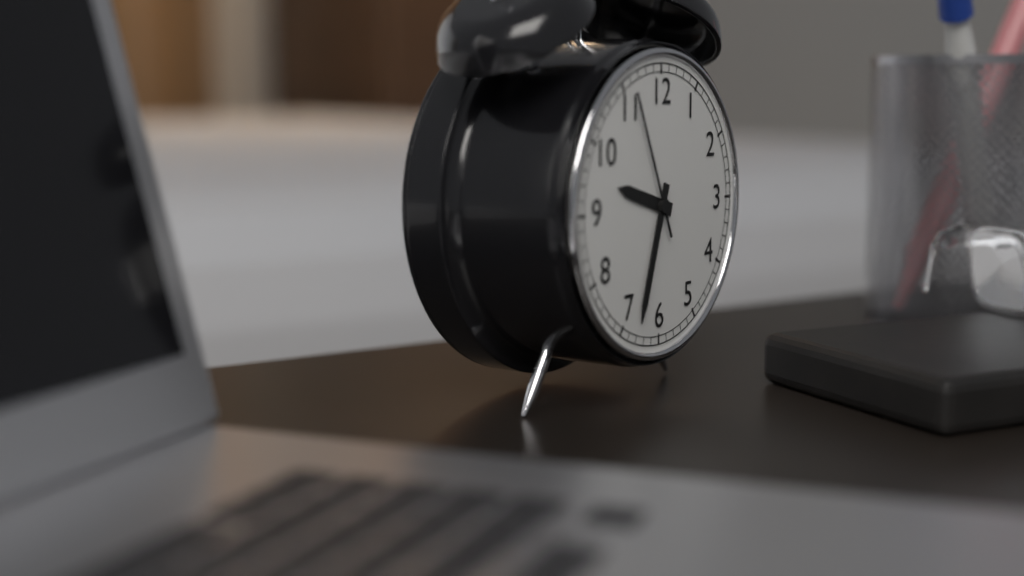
{"hour": 9, "minute": 33, "second": 56}
